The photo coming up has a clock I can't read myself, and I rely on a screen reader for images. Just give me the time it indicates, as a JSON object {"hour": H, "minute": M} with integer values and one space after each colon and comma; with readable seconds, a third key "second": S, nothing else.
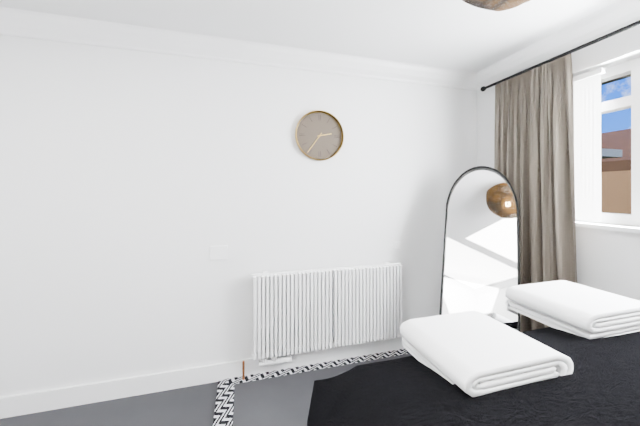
{"hour": 2, "minute": 36}
